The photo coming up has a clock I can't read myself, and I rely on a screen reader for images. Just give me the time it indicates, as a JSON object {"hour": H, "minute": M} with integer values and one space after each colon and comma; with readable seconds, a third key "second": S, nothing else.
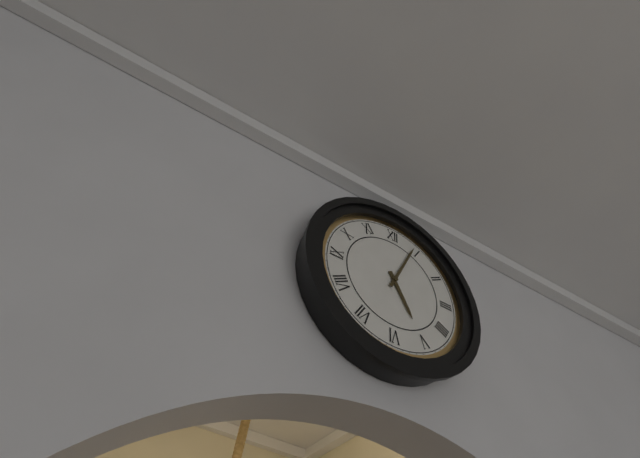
{"hour": 5, "minute": 4}
